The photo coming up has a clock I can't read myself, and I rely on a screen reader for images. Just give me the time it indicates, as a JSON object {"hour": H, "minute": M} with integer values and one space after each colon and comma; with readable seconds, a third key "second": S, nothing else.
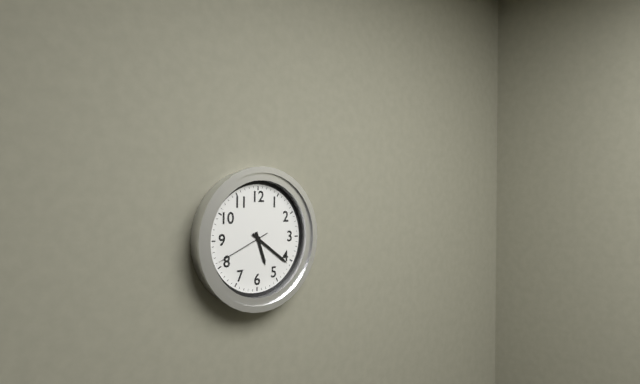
{"hour": 5, "minute": 21, "second": 41}
